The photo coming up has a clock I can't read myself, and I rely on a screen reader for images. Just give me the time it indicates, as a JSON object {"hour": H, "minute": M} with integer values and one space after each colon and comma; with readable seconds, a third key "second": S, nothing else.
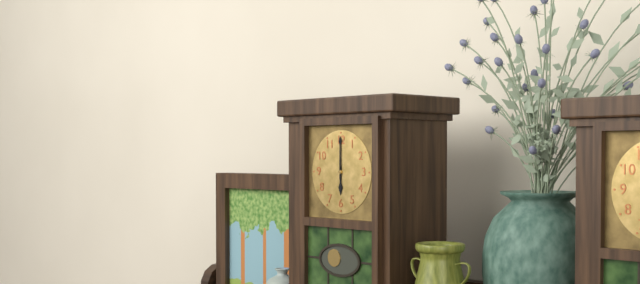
{"hour": 6, "minute": 0}
